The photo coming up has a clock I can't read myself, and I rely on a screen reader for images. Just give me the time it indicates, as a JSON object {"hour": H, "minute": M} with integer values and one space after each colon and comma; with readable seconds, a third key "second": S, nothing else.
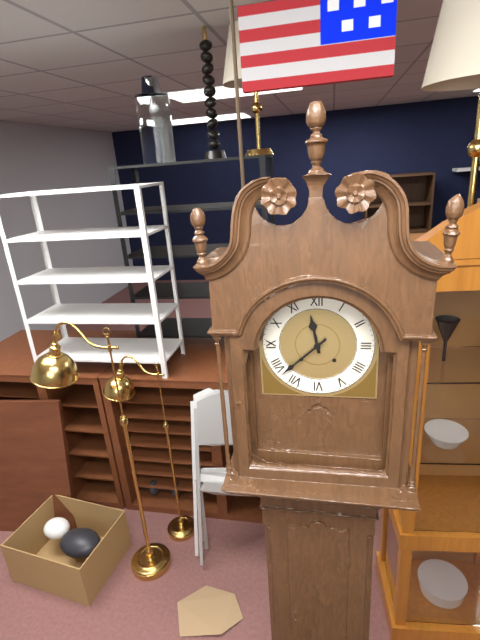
{"hour": 11, "minute": 38}
